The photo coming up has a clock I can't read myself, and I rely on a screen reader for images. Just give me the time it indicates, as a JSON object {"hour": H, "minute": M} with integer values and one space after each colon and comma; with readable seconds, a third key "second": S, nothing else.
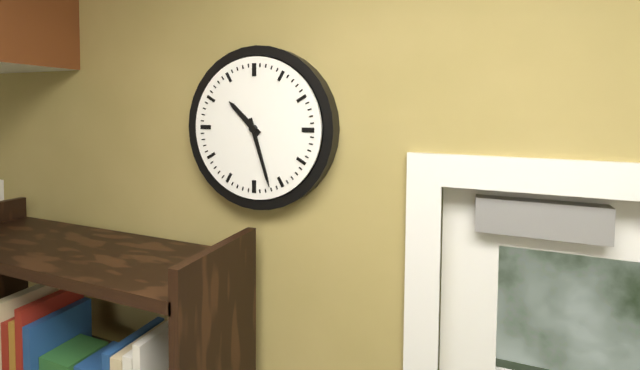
{"hour": 10, "minute": 27}
